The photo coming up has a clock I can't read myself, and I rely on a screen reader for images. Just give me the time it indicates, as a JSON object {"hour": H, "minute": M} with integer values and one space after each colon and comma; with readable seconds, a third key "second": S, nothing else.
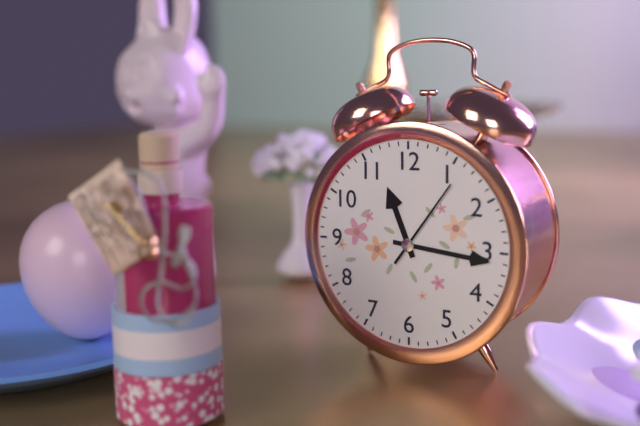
{"hour": 11, "minute": 16, "second": 6}
